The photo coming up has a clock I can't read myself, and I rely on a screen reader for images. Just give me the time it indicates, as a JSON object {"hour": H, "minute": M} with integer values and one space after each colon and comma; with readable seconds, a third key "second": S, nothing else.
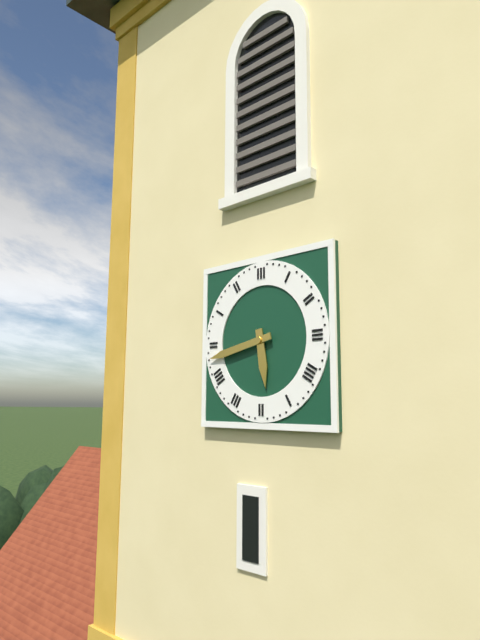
{"hour": 5, "minute": 43}
